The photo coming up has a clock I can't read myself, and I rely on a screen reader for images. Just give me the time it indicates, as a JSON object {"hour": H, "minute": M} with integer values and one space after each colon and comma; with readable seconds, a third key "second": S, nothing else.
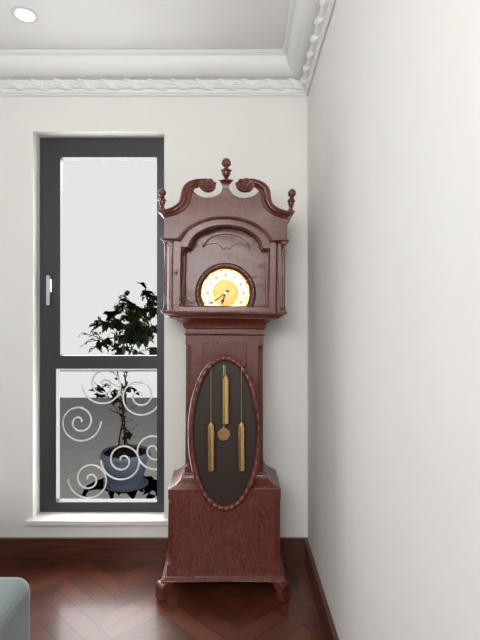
{"hour": 6, "minute": 39}
